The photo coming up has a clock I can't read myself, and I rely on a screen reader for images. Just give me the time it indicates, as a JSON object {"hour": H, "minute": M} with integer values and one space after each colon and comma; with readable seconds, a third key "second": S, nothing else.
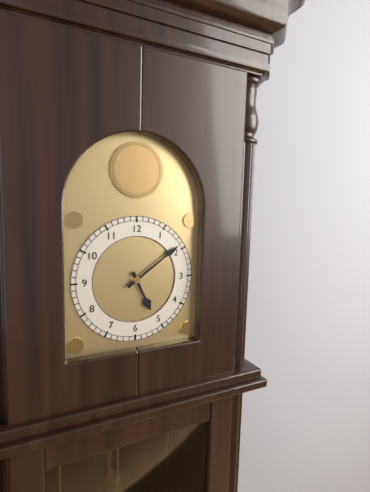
{"hour": 5, "minute": 9}
